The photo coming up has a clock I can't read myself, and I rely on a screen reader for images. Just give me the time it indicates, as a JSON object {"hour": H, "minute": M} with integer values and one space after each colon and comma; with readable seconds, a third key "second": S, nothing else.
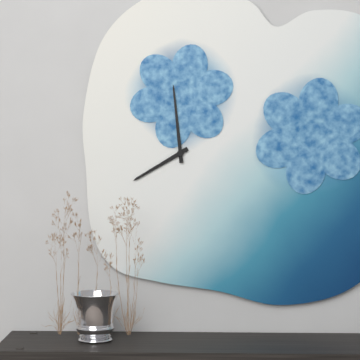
{"hour": 7, "minute": 59}
